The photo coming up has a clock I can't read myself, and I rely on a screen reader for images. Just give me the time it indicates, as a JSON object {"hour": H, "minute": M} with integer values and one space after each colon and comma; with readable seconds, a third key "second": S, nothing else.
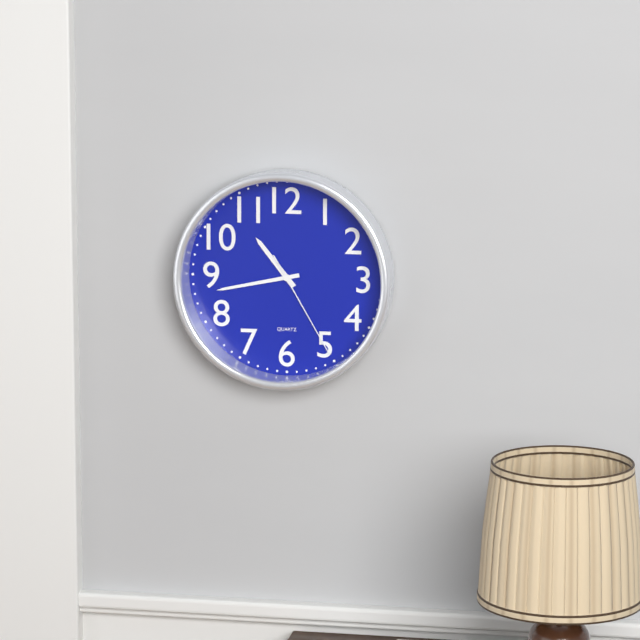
{"hour": 10, "minute": 43, "second": 25}
